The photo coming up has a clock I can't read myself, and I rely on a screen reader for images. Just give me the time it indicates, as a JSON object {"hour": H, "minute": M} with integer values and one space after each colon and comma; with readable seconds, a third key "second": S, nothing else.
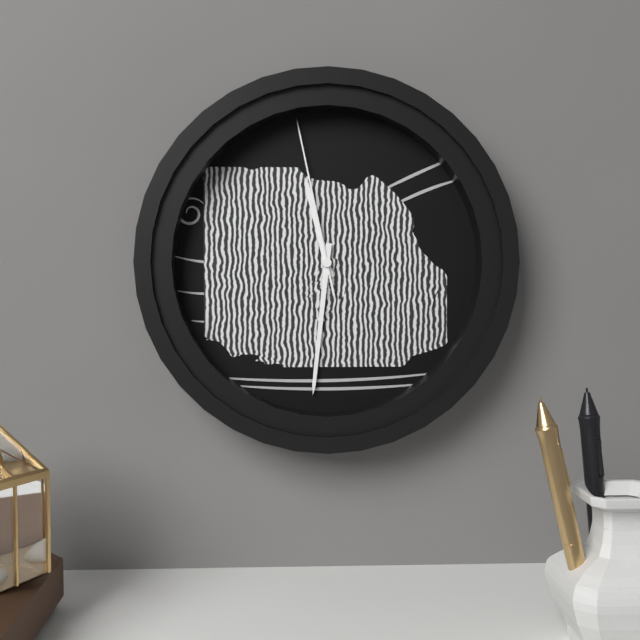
{"hour": 11, "minute": 31, "second": 58}
